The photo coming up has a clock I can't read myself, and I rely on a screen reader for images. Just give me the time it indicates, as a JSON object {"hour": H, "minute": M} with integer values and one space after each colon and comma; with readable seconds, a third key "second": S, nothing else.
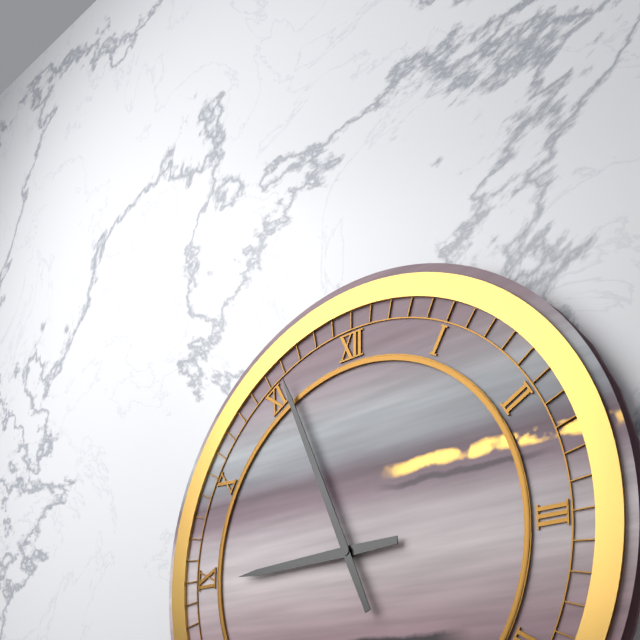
{"hour": 8, "minute": 56}
